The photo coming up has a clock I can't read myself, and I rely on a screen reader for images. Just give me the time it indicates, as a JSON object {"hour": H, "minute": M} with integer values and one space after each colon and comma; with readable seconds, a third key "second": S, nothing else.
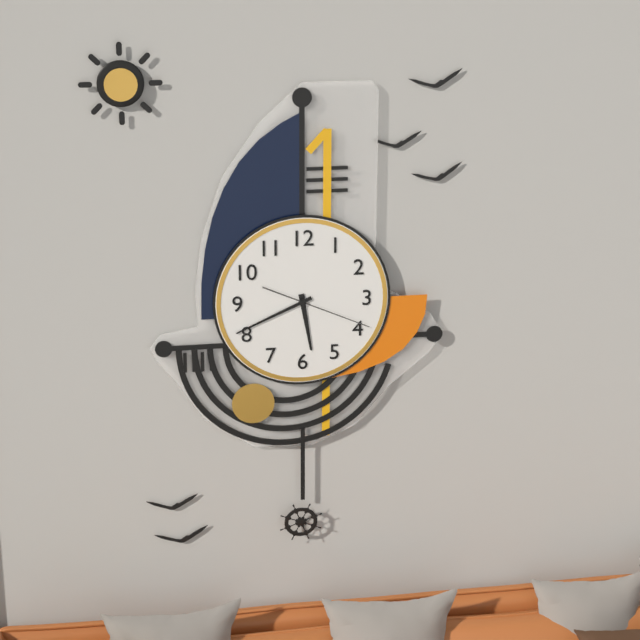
{"hour": 5, "minute": 41, "second": 19}
